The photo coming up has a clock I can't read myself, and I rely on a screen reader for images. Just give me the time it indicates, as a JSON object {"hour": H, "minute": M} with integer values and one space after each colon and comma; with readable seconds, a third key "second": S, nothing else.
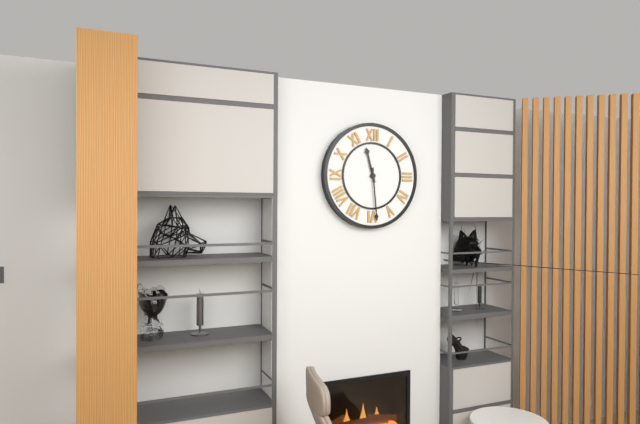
{"hour": 11, "minute": 29}
